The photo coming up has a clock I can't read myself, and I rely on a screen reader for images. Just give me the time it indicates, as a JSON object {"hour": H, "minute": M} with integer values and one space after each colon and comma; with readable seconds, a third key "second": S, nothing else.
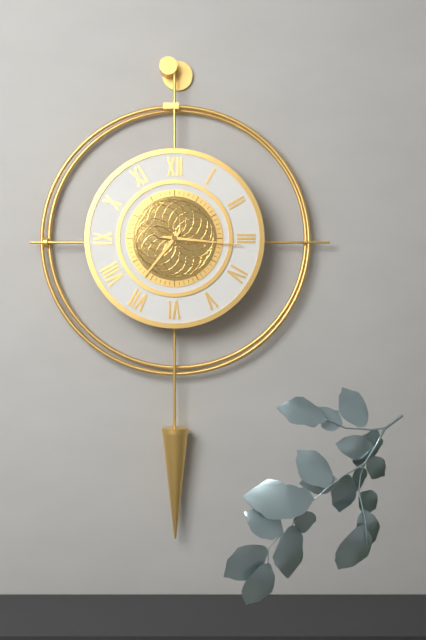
{"hour": 7, "minute": 16}
